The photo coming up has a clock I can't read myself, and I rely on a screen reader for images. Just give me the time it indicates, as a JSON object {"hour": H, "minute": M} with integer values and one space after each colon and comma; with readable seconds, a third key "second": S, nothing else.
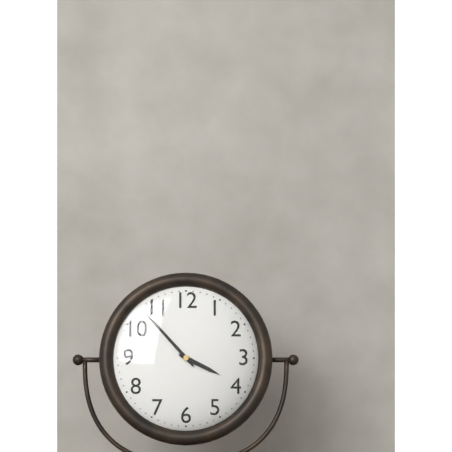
{"hour": 3, "minute": 53}
